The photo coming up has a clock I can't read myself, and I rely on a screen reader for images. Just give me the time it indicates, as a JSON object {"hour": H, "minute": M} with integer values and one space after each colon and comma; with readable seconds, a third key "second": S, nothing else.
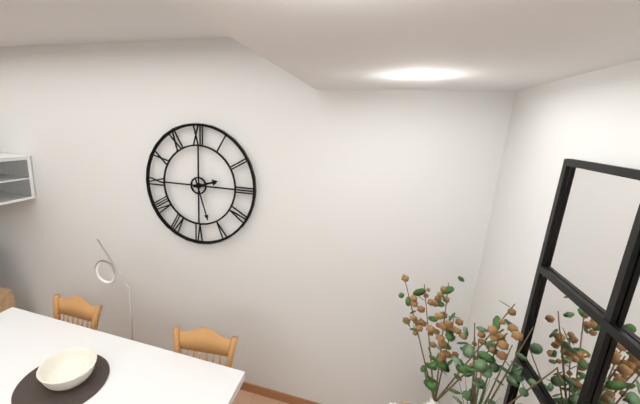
{"hour": 2, "minute": 27}
